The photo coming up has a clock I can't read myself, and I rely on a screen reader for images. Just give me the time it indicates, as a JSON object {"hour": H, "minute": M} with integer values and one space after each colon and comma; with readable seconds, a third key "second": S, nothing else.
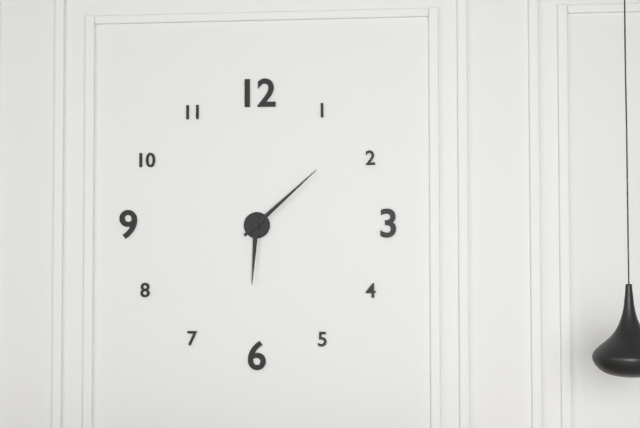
{"hour": 6, "minute": 8}
